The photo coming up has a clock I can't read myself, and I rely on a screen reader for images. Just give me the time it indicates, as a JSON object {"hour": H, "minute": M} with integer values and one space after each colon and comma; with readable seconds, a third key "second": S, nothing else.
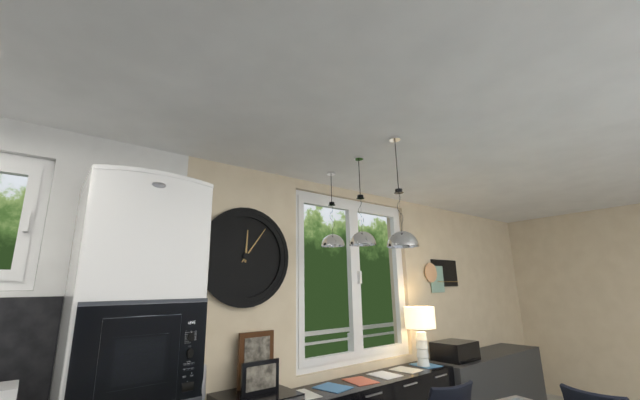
{"hour": 12, "minute": 6}
